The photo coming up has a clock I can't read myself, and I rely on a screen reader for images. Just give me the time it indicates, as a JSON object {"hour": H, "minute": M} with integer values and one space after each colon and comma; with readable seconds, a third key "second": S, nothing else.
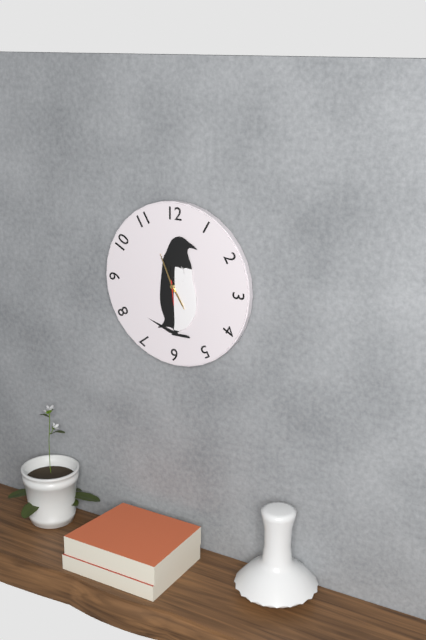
{"hour": 4, "minute": 56}
